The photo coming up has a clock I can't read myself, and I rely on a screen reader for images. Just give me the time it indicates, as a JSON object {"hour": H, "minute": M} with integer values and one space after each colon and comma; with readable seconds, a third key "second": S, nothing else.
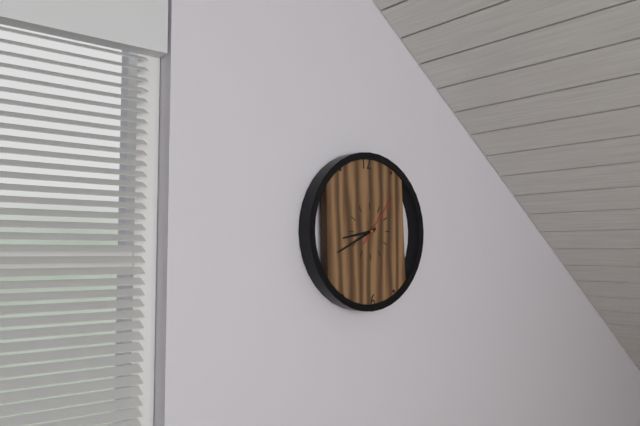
{"hour": 8, "minute": 41, "second": 7}
